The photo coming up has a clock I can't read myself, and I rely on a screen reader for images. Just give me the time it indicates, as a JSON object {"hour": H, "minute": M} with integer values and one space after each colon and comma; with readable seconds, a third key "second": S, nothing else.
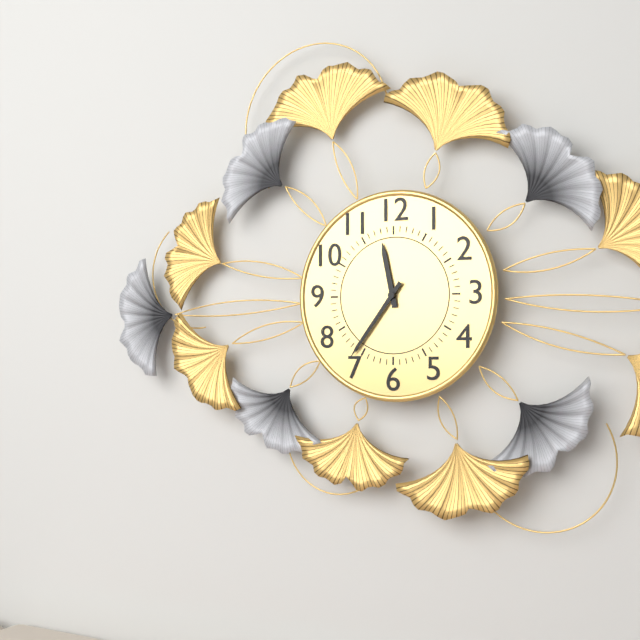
{"hour": 11, "minute": 36}
